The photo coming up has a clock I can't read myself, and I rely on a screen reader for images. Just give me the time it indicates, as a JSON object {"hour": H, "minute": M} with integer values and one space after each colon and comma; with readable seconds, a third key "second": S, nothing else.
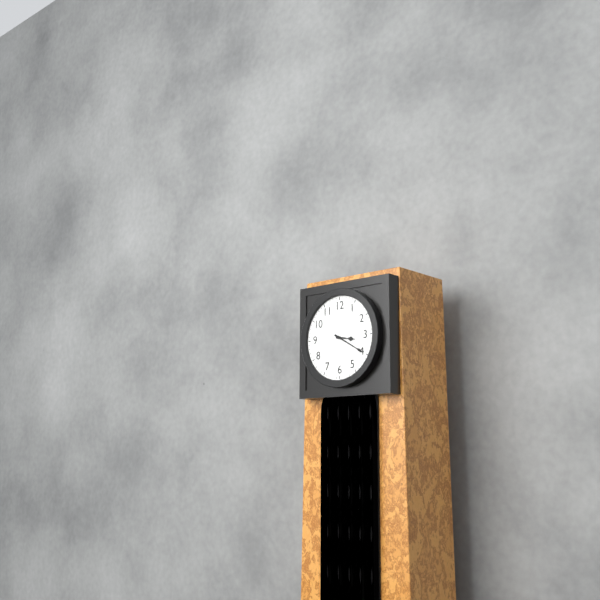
{"hour": 3, "minute": 20}
